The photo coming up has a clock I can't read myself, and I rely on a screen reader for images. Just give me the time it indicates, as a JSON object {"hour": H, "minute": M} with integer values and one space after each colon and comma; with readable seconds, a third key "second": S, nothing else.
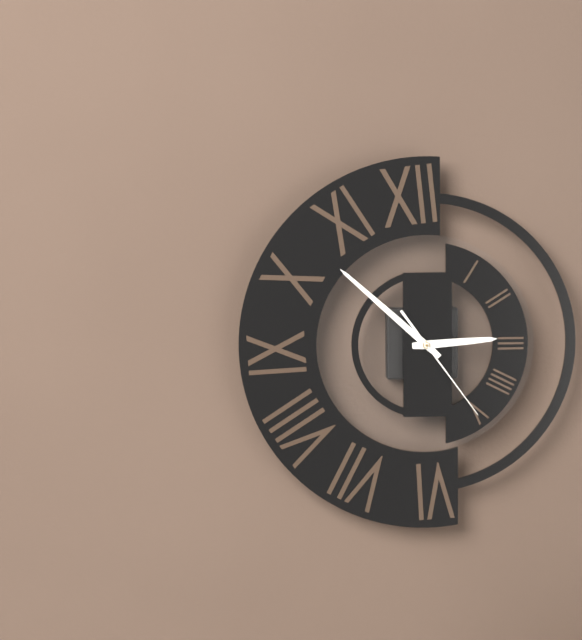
{"hour": 2, "minute": 52, "second": 24}
